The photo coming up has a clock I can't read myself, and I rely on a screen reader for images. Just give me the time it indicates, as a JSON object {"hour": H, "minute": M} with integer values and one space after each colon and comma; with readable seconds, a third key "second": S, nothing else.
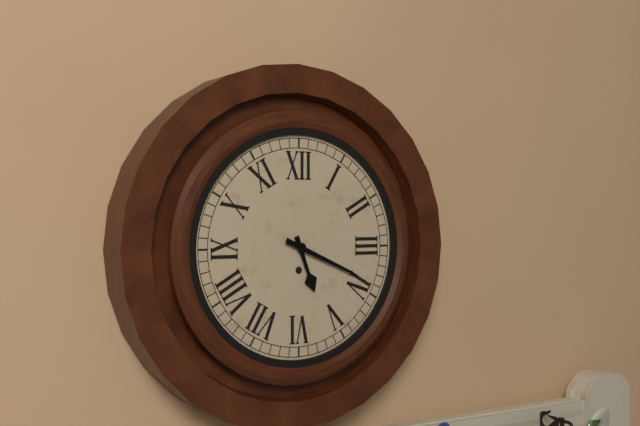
{"hour": 5, "minute": 19}
